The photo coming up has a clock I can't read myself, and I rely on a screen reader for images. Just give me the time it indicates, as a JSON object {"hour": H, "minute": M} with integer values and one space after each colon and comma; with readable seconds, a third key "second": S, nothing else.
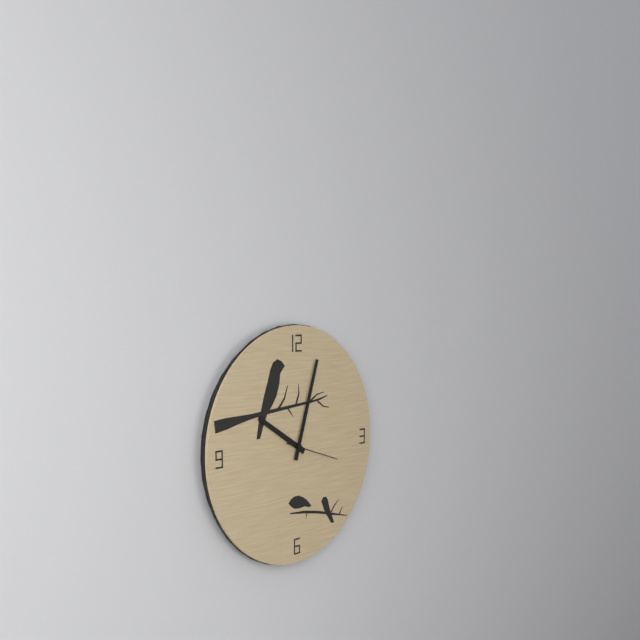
{"hour": 10, "minute": 3, "second": 18}
